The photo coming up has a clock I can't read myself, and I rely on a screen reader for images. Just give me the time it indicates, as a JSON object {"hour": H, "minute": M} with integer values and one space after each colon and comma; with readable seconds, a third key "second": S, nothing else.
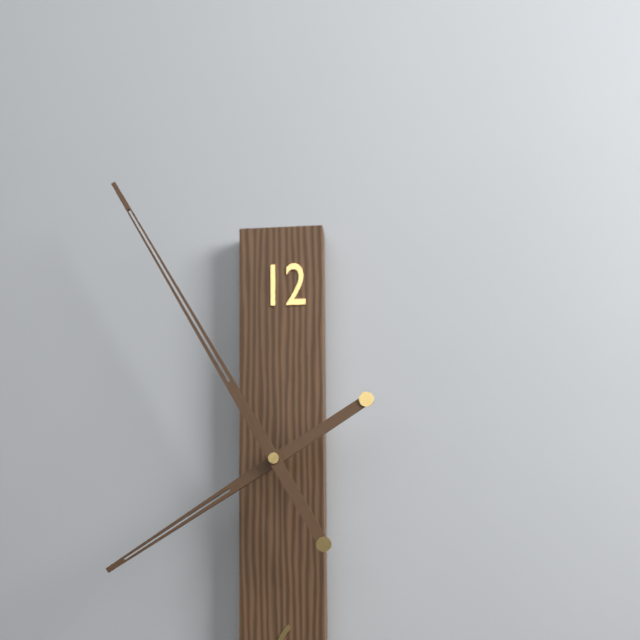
{"hour": 7, "minute": 55}
